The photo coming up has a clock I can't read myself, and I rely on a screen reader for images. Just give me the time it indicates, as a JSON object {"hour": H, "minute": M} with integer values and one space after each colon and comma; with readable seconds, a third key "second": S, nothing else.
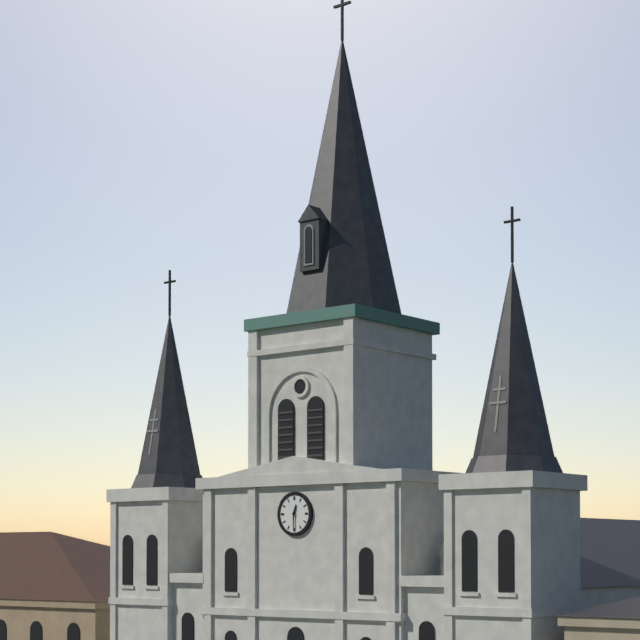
{"hour": 12, "minute": 30}
